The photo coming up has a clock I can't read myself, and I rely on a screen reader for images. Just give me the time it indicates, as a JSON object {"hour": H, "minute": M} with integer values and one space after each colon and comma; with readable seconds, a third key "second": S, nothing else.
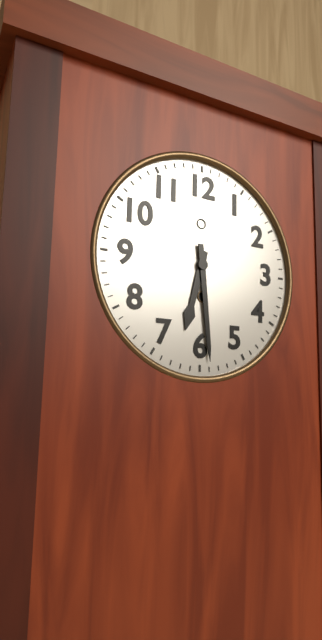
{"hour": 6, "minute": 29}
